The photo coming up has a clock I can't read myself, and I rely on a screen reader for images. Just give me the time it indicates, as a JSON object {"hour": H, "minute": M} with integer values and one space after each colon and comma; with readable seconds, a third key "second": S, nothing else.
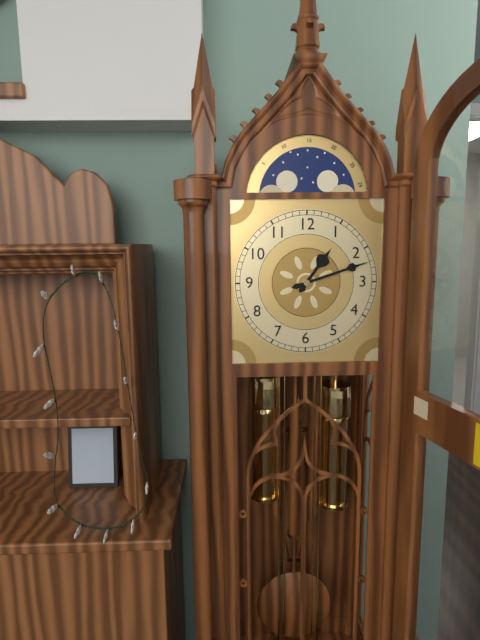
{"hour": 1, "minute": 12}
